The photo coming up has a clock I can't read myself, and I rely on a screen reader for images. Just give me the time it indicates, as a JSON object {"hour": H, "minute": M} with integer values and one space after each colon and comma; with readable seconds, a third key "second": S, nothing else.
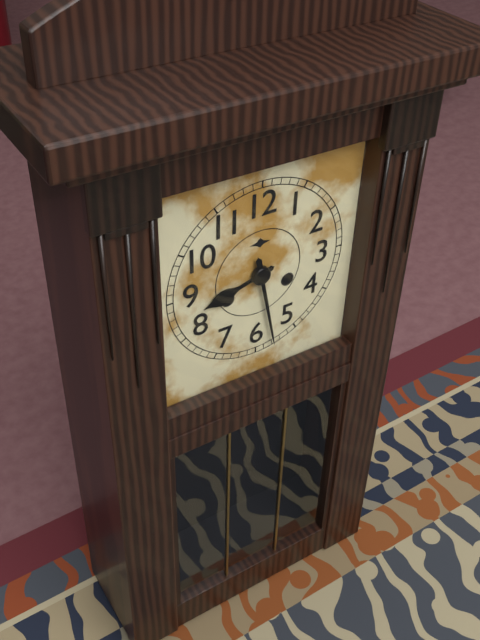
{"hour": 8, "minute": 28}
